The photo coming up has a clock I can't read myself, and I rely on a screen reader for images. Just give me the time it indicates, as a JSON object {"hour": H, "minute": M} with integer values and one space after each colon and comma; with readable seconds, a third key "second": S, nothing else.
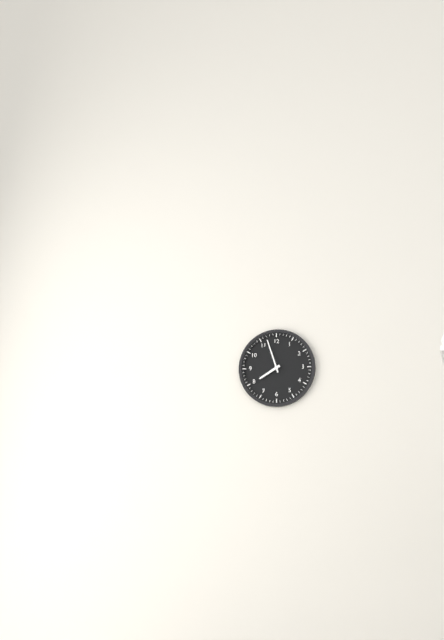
{"hour": 7, "minute": 57}
